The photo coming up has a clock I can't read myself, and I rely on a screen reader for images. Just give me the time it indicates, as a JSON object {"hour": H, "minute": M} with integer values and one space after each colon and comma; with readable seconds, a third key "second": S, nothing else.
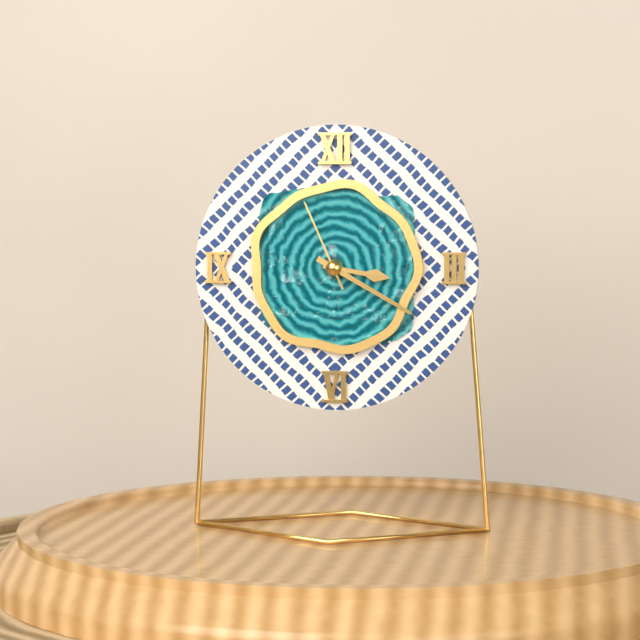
{"hour": 3, "minute": 20, "second": 56}
